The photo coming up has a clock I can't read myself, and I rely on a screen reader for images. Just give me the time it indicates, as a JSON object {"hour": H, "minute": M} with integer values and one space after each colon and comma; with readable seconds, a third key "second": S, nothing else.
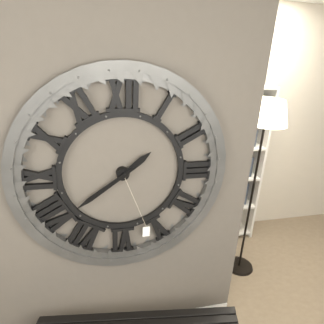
{"hour": 1, "minute": 39}
